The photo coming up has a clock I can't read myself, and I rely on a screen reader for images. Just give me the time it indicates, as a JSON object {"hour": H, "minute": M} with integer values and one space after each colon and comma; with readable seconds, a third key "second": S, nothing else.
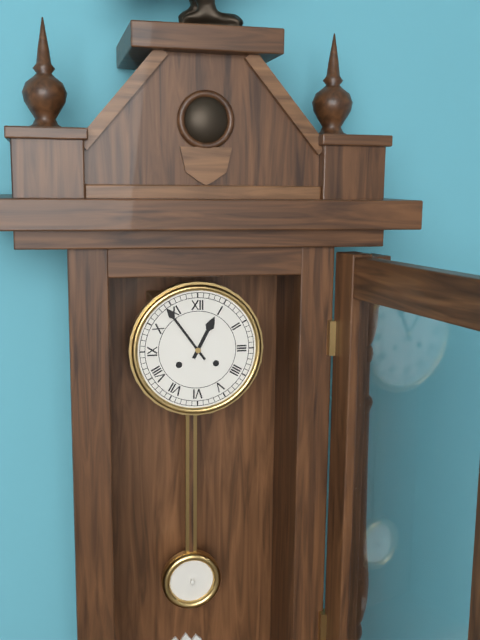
{"hour": 12, "minute": 54}
